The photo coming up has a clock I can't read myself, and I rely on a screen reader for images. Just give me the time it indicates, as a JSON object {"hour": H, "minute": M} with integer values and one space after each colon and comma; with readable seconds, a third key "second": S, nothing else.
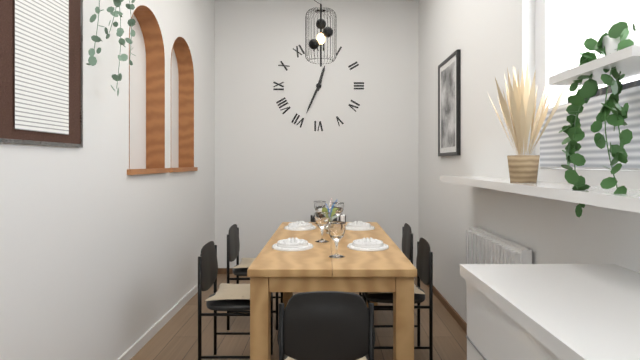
{"hour": 12, "minute": 34}
